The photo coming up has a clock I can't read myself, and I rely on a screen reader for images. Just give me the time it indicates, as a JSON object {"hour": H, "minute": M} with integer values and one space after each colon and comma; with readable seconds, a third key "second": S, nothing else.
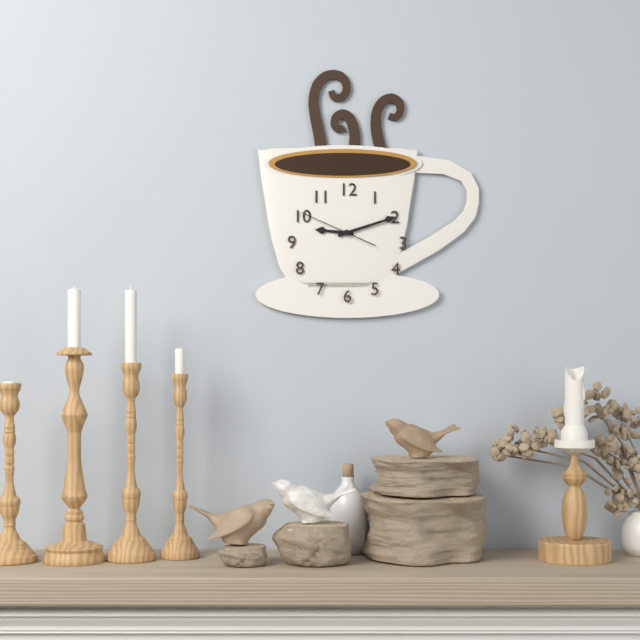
{"hour": 9, "minute": 12, "second": 49}
